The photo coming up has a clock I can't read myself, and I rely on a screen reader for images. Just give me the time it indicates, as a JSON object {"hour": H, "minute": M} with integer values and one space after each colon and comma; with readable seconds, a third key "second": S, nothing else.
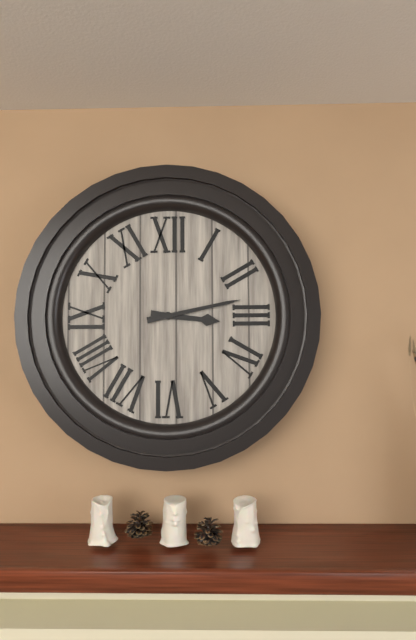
{"hour": 3, "minute": 13}
